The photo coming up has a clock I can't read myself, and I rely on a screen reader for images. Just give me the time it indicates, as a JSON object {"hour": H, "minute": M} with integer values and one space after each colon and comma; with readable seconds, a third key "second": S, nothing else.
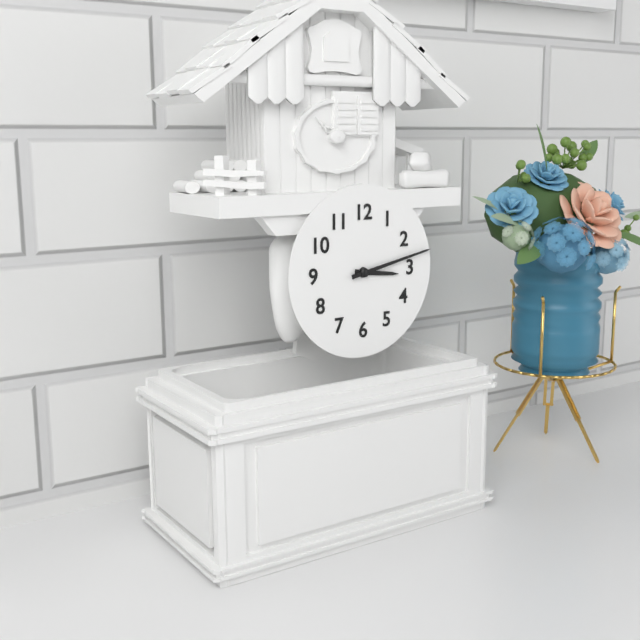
{"hour": 3, "minute": 13}
